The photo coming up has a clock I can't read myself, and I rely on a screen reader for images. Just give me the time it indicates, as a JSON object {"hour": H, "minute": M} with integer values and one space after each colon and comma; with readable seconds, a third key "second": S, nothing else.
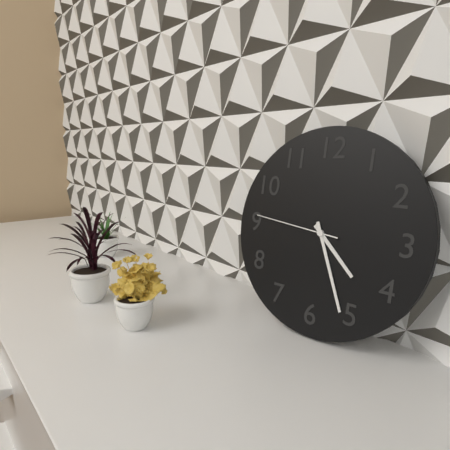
{"hour": 4, "minute": 26, "second": 46}
